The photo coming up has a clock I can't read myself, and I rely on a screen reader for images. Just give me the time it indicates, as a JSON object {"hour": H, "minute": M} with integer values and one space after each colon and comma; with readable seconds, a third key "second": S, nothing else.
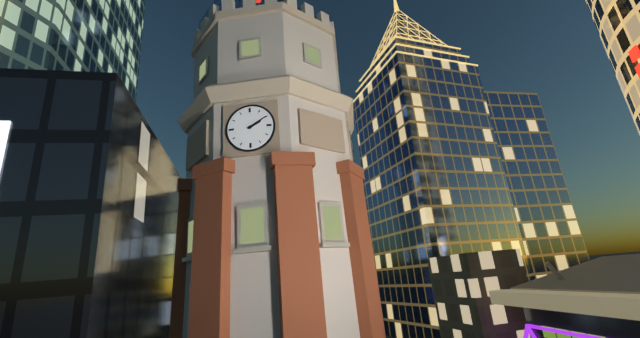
{"hour": 2, "minute": 10}
